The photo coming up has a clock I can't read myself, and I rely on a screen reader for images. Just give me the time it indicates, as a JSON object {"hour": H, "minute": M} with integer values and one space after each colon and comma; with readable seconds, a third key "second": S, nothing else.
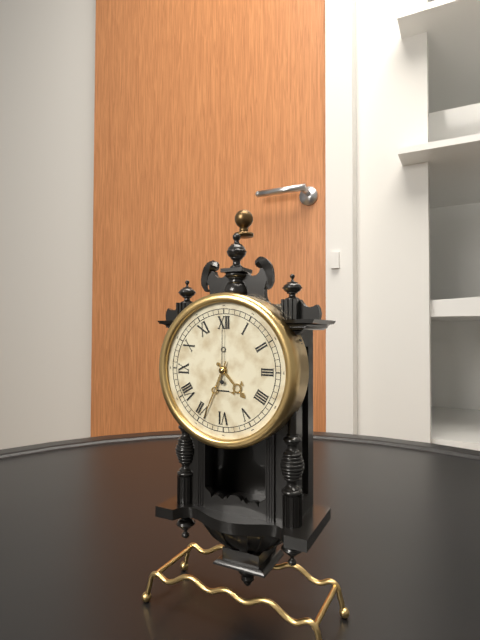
{"hour": 4, "minute": 34, "second": 0}
